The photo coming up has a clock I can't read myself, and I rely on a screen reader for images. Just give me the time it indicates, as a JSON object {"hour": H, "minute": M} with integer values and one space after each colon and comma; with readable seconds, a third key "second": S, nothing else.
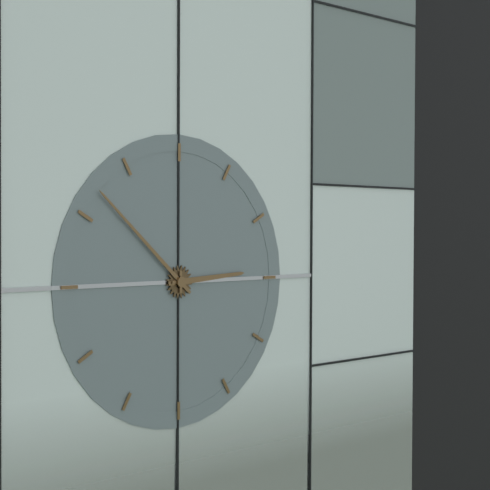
{"hour": 2, "minute": 52}
